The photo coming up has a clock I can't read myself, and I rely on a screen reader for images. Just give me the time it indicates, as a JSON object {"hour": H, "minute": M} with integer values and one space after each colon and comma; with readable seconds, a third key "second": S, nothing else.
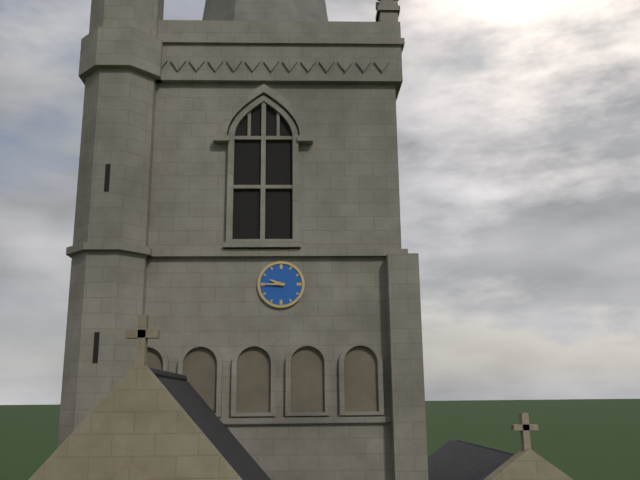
{"hour": 9, "minute": 45}
